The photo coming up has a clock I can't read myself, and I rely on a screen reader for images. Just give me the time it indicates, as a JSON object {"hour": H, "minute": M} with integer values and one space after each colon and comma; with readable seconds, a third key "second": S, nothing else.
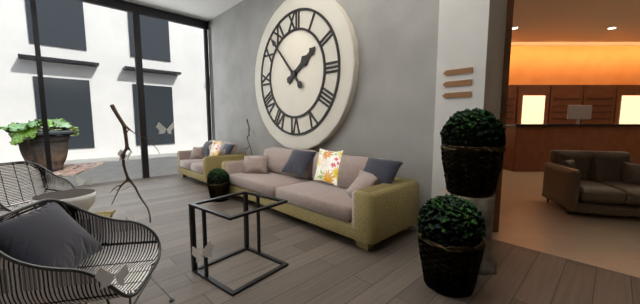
{"hour": 1, "minute": 53}
